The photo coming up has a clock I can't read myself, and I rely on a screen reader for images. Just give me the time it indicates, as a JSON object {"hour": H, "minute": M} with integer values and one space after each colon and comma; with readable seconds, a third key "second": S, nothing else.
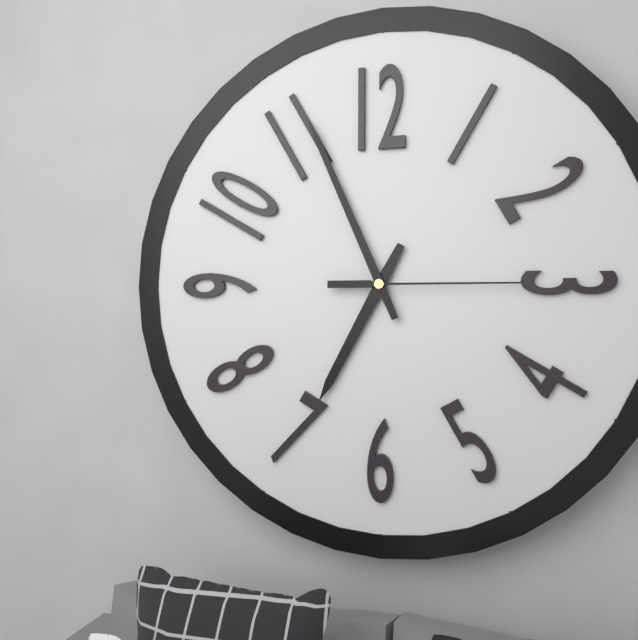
{"hour": 6, "minute": 56, "second": 15}
